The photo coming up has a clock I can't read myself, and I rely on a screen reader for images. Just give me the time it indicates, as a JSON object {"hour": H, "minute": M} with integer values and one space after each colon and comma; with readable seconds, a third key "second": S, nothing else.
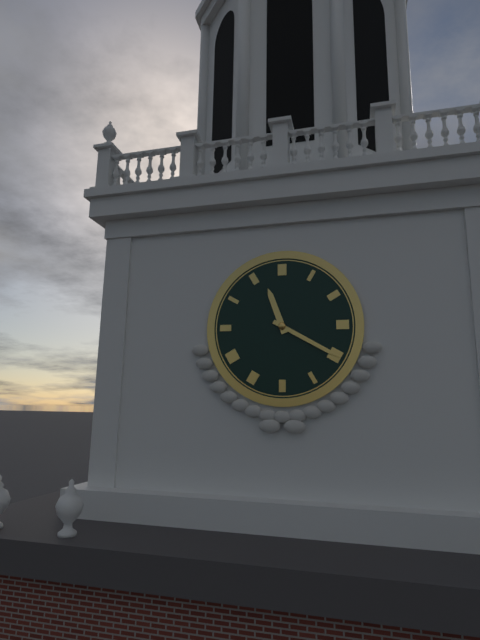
{"hour": 11, "minute": 20}
